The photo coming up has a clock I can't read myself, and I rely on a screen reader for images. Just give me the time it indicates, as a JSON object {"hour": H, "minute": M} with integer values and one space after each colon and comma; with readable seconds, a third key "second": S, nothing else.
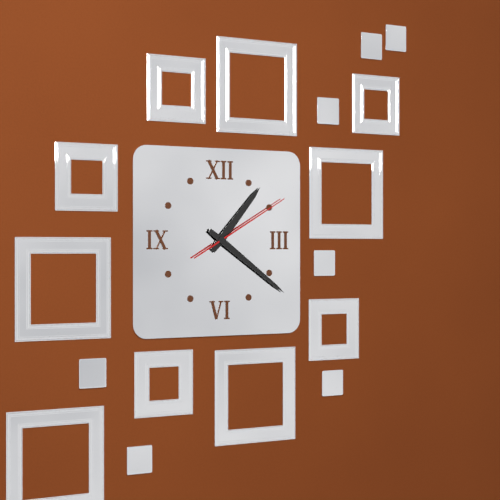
{"hour": 1, "minute": 21, "second": 10}
